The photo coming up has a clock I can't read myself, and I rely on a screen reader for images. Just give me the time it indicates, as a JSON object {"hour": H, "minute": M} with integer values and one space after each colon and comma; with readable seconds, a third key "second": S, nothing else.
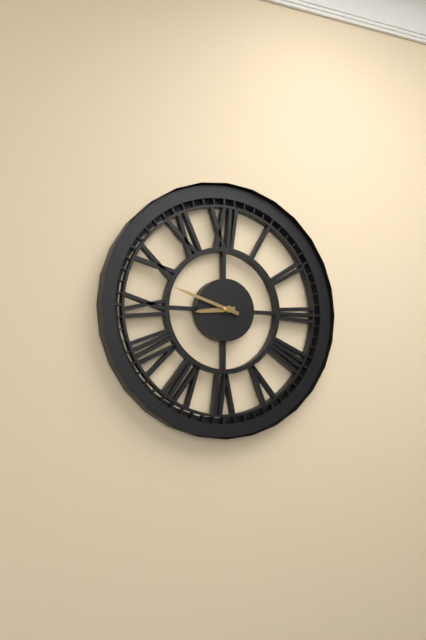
{"hour": 8, "minute": 48}
